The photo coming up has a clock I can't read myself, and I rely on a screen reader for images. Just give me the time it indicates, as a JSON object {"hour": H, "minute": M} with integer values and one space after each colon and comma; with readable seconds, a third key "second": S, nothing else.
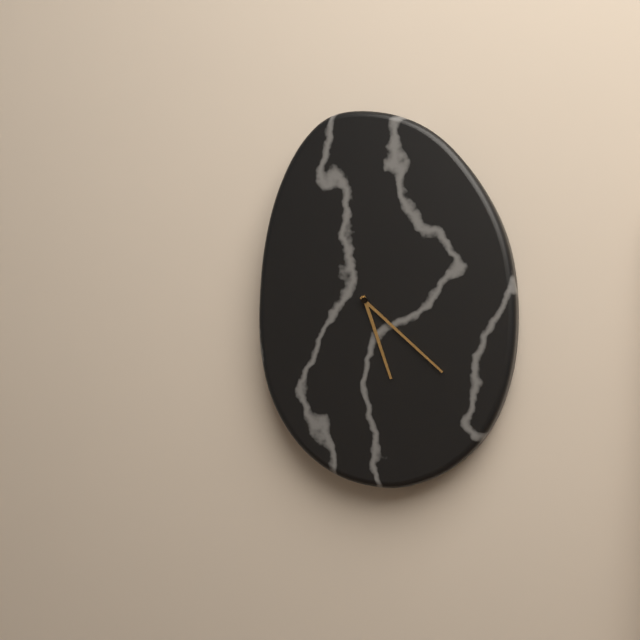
{"hour": 5, "minute": 22}
